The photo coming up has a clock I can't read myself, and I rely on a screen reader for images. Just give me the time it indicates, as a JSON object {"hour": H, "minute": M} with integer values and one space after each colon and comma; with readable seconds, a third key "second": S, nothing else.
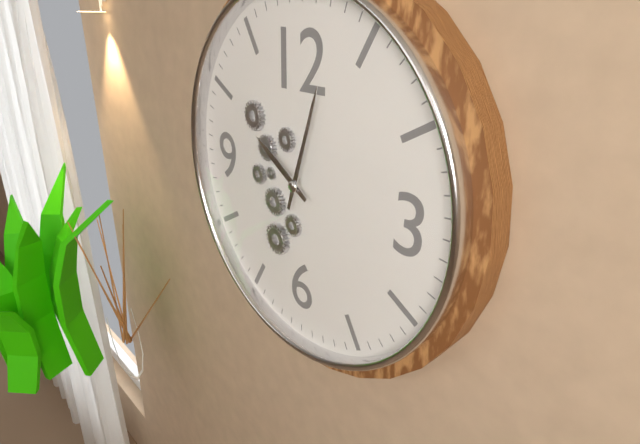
{"hour": 10, "minute": 3}
